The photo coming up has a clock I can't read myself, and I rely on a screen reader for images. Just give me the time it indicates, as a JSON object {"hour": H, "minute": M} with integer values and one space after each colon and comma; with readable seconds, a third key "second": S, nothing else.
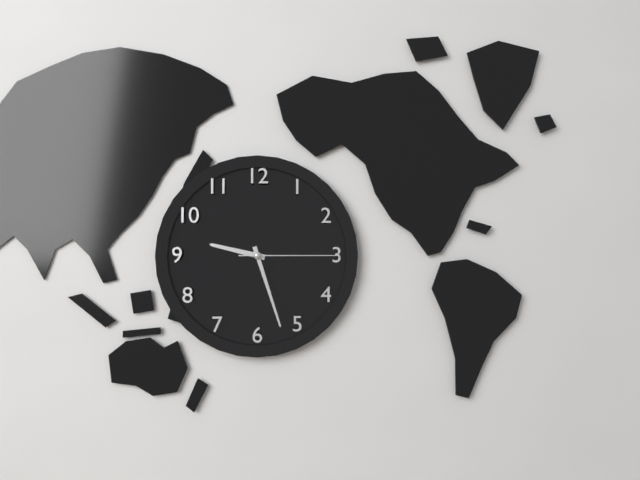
{"hour": 9, "minute": 27, "second": 15}
